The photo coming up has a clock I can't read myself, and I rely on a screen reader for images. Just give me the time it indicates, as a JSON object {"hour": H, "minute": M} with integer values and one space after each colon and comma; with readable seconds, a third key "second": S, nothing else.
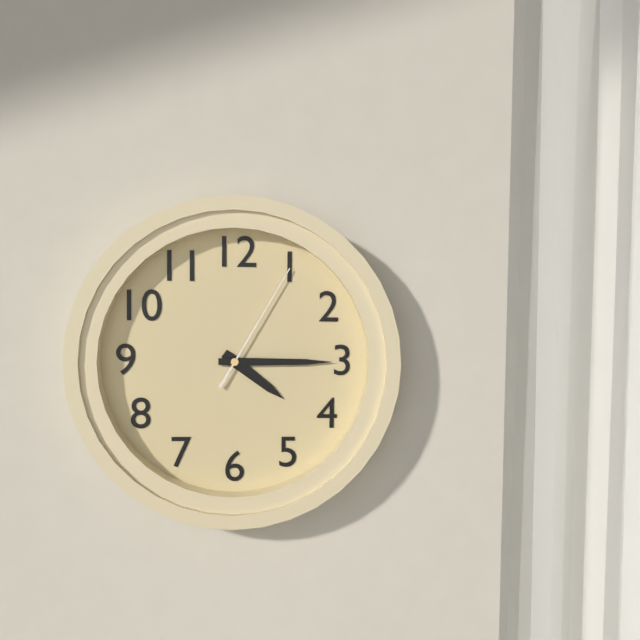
{"hour": 4, "minute": 15, "second": 5}
